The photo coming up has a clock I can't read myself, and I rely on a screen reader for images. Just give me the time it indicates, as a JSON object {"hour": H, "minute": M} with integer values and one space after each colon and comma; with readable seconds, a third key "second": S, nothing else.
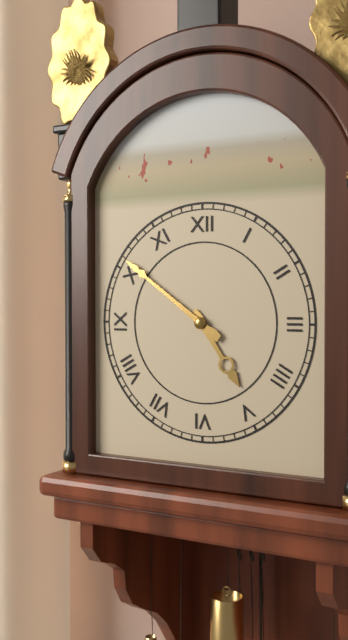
{"hour": 4, "minute": 51}
